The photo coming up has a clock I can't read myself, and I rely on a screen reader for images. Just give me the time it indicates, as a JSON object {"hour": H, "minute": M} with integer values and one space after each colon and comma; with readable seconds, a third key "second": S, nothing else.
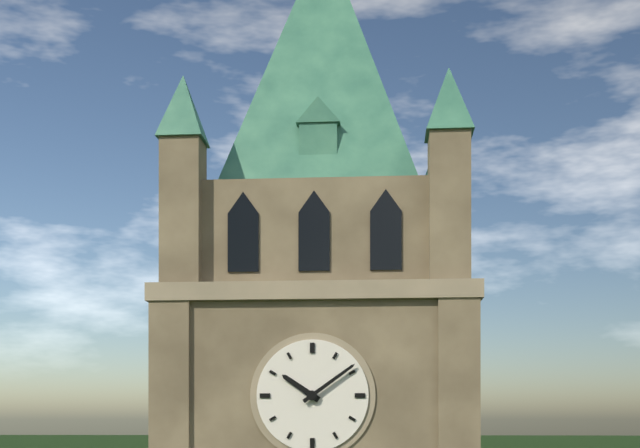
{"hour": 10, "minute": 9}
